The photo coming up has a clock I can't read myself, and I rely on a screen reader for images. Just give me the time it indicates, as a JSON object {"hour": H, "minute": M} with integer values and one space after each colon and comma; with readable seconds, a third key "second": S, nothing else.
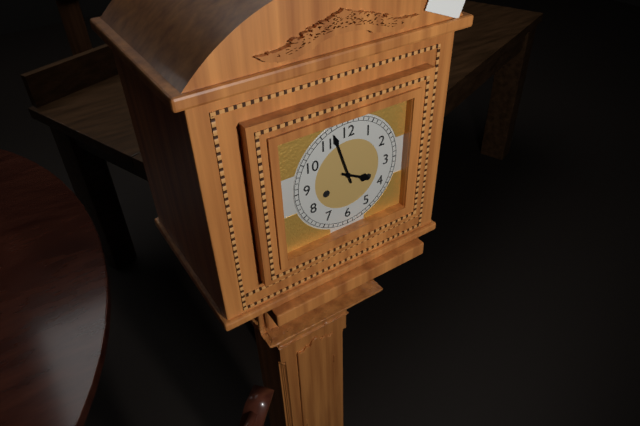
{"hour": 3, "minute": 57}
